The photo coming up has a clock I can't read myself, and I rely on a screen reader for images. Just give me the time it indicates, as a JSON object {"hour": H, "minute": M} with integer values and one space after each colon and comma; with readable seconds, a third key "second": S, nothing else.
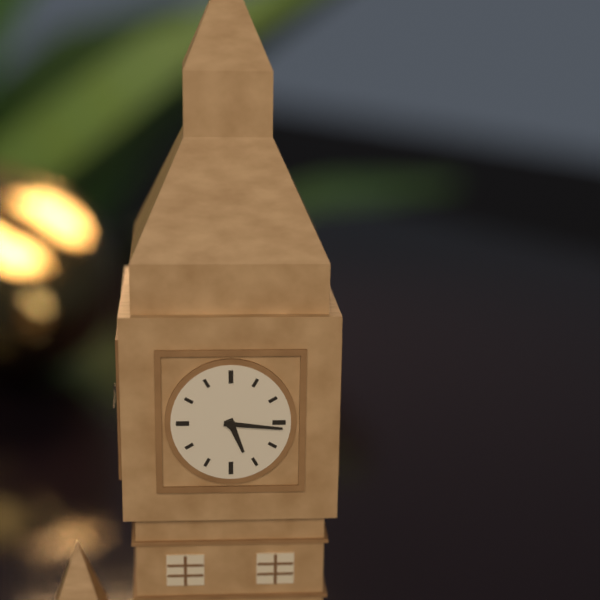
{"hour": 5, "minute": 16}
